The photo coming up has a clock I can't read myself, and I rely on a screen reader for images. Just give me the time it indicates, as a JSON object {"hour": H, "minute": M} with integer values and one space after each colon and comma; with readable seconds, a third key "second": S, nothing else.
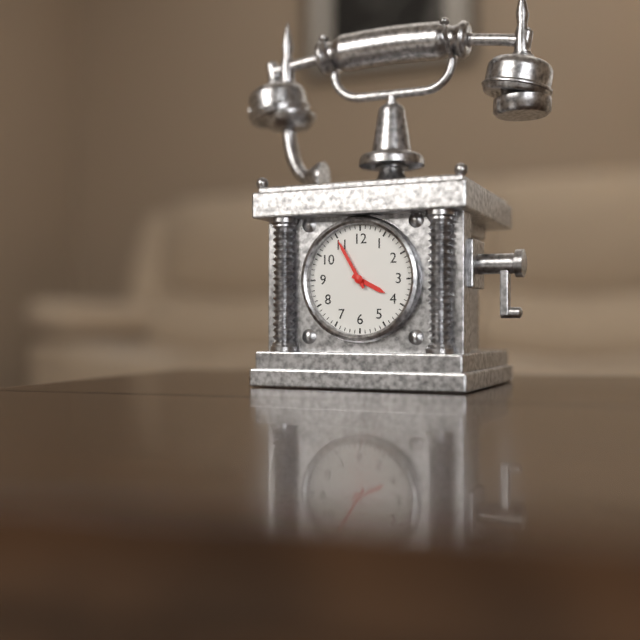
{"hour": 3, "minute": 55}
